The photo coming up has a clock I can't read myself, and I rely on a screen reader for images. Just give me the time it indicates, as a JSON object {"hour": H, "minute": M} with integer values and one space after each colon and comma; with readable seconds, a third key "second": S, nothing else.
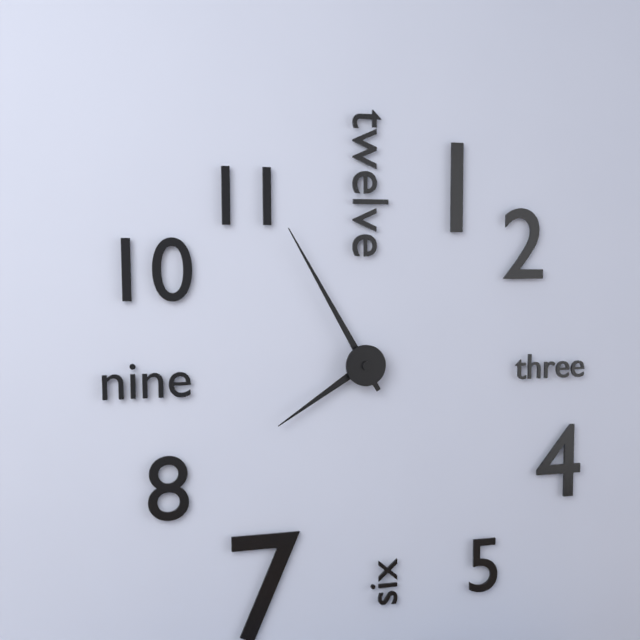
{"hour": 7, "minute": 55}
